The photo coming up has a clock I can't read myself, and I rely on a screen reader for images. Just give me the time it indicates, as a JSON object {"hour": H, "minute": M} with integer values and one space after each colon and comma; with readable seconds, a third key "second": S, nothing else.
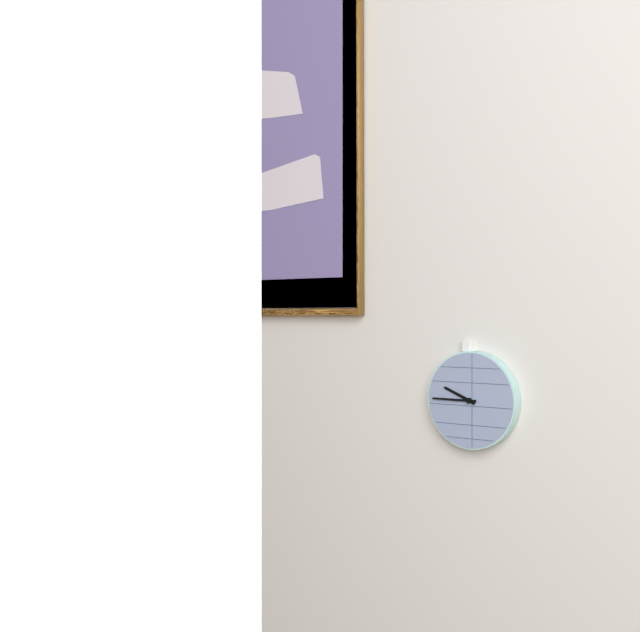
{"hour": 9, "minute": 45}
